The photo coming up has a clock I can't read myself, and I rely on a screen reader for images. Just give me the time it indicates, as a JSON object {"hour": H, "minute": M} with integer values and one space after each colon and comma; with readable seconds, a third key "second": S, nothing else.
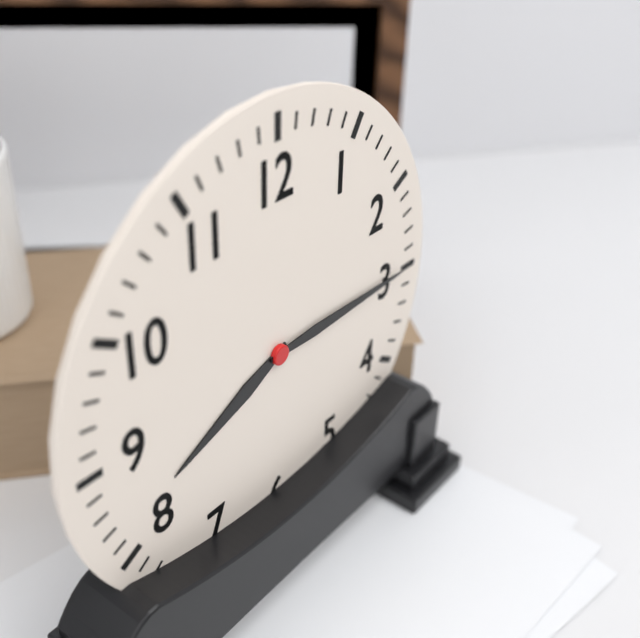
{"hour": 8, "minute": 15}
